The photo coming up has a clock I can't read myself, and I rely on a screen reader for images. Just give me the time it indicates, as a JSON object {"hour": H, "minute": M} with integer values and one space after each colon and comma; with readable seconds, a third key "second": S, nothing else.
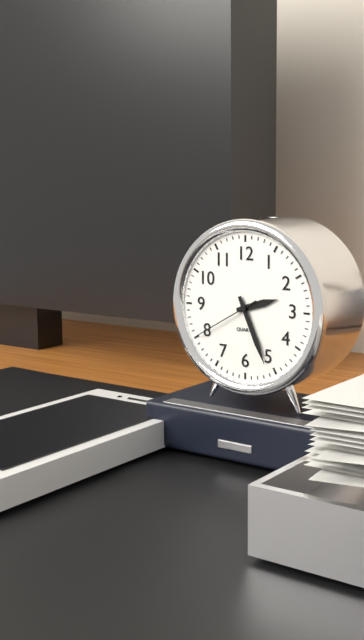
{"hour": 2, "minute": 26, "second": 40}
